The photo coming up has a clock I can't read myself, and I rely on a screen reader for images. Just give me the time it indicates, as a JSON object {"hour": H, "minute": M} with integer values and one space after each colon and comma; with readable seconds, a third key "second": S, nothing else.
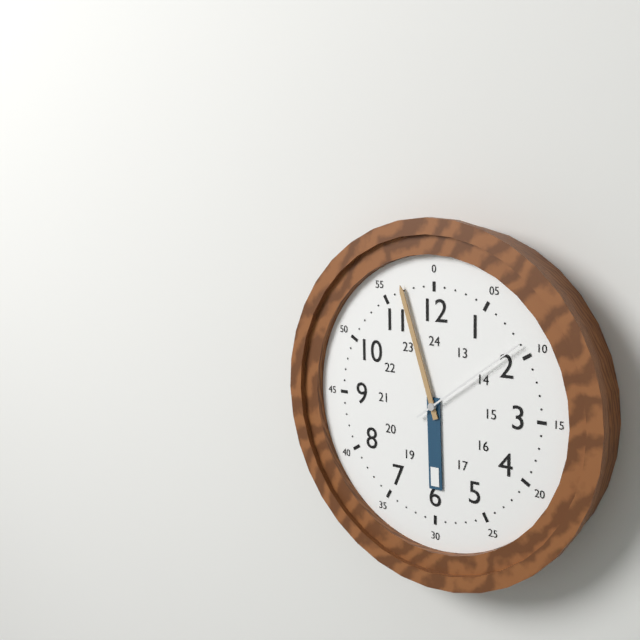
{"hour": 5, "minute": 57, "second": 9}
